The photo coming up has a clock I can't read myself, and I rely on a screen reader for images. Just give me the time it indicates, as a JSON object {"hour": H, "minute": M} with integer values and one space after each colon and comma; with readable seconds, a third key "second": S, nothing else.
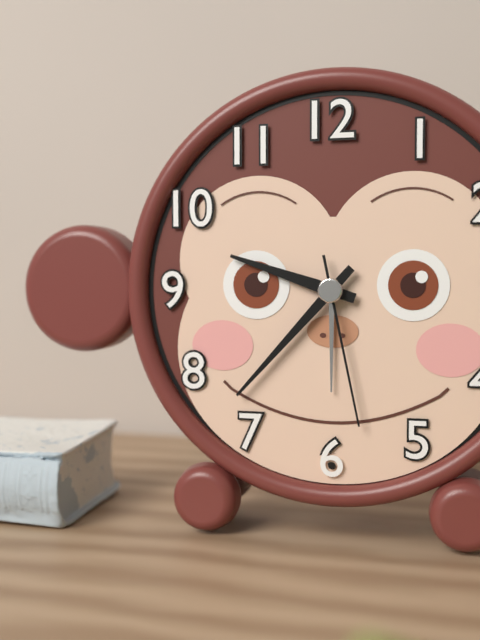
{"hour": 9, "minute": 37, "second": 28}
